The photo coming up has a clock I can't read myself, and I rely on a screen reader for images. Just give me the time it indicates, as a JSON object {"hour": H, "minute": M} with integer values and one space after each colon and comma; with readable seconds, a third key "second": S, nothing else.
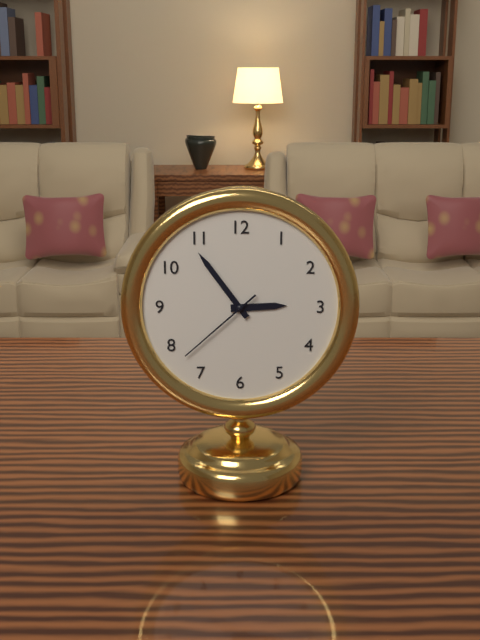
{"hour": 2, "minute": 54, "second": 38}
